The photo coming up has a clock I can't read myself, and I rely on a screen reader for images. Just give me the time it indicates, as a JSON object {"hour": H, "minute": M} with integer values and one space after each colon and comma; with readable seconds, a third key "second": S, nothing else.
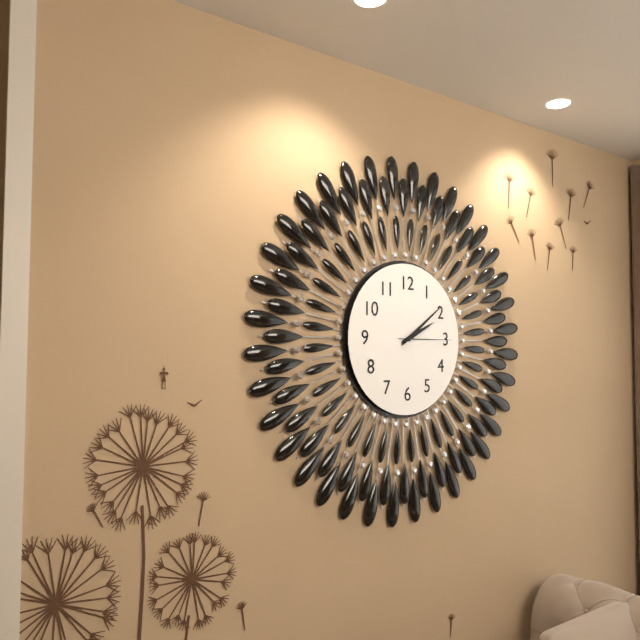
{"hour": 2, "minute": 9, "second": 15}
